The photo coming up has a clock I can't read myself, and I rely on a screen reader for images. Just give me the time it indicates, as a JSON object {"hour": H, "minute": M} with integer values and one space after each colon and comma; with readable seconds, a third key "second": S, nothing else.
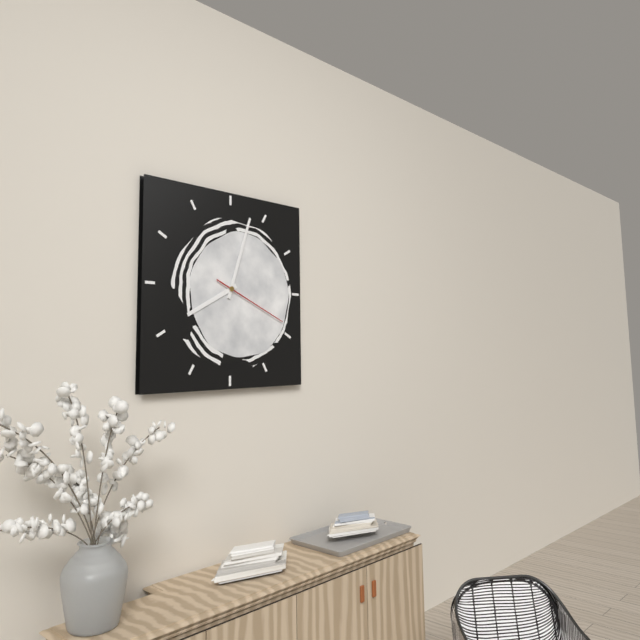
{"hour": 8, "minute": 3, "second": 19}
